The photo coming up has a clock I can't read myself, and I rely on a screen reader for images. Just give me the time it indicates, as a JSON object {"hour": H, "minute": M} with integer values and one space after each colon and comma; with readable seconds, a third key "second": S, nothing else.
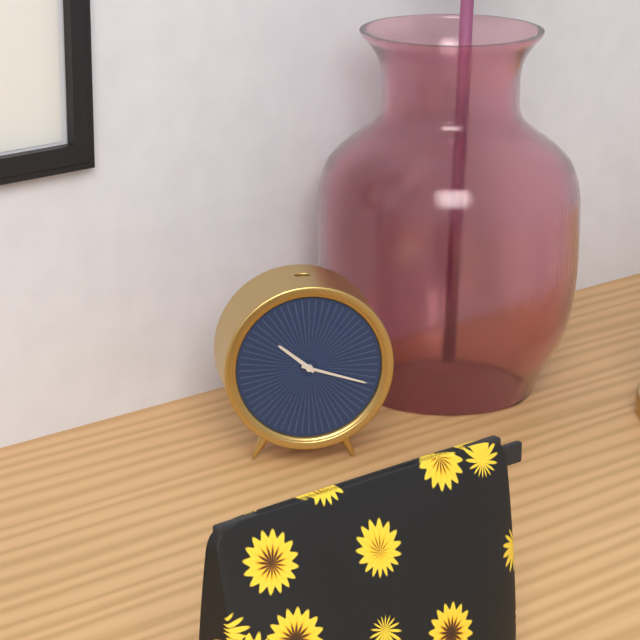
{"hour": 10, "minute": 18}
